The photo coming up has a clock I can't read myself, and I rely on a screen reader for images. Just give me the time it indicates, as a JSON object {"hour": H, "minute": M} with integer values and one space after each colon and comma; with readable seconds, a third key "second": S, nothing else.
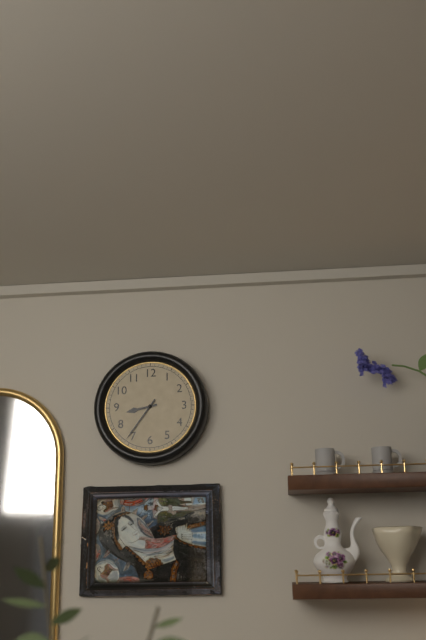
{"hour": 8, "minute": 36}
